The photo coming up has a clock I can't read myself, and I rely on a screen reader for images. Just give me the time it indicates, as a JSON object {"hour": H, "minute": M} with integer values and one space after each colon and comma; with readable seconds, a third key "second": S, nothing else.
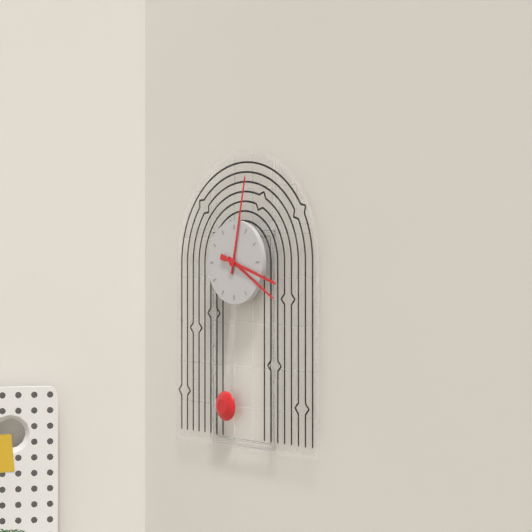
{"hour": 4, "minute": 2, "second": 18}
